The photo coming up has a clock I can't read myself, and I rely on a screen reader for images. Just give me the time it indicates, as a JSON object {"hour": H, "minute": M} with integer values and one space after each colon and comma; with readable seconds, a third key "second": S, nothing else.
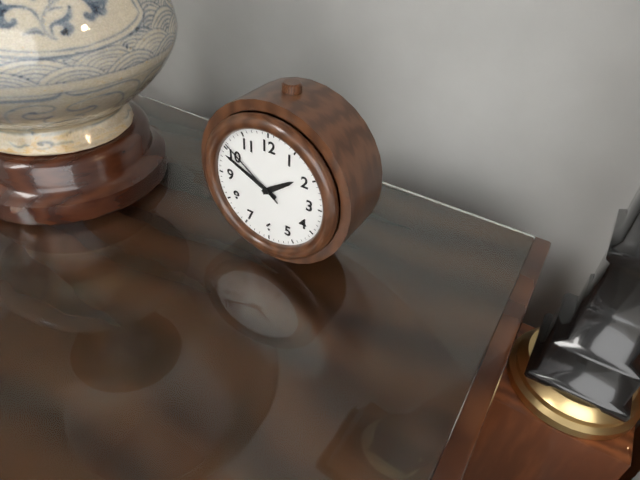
{"hour": 1, "minute": 49, "second": 51}
